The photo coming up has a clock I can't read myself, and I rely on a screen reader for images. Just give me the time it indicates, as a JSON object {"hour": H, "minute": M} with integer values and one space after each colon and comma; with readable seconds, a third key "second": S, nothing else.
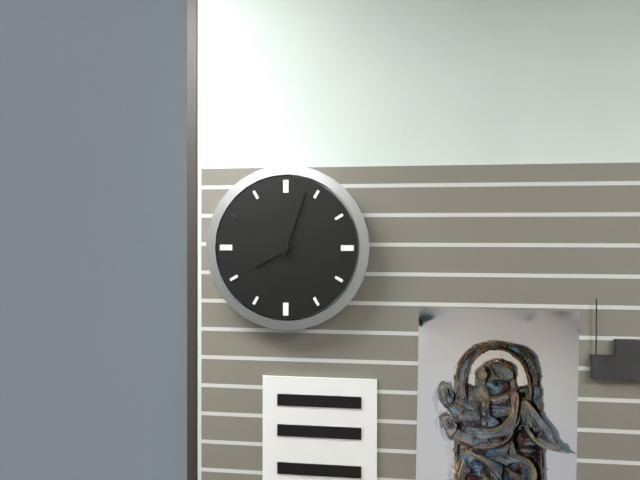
{"hour": 8, "minute": 3}
